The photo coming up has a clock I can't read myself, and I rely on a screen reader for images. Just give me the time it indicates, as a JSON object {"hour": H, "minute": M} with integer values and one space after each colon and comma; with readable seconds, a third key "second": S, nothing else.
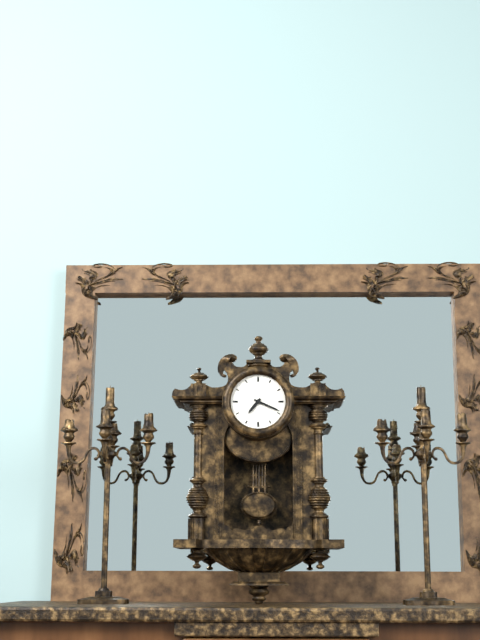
{"hour": 7, "minute": 19}
